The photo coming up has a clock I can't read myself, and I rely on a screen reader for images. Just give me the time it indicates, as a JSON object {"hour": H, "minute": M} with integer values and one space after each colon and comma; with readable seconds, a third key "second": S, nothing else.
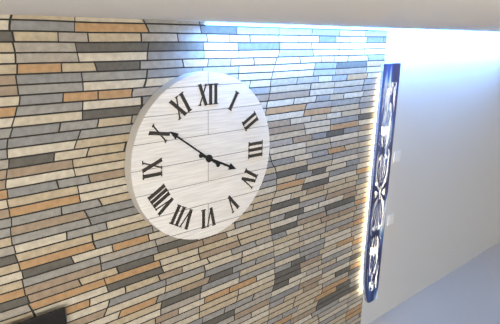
{"hour": 3, "minute": 51}
